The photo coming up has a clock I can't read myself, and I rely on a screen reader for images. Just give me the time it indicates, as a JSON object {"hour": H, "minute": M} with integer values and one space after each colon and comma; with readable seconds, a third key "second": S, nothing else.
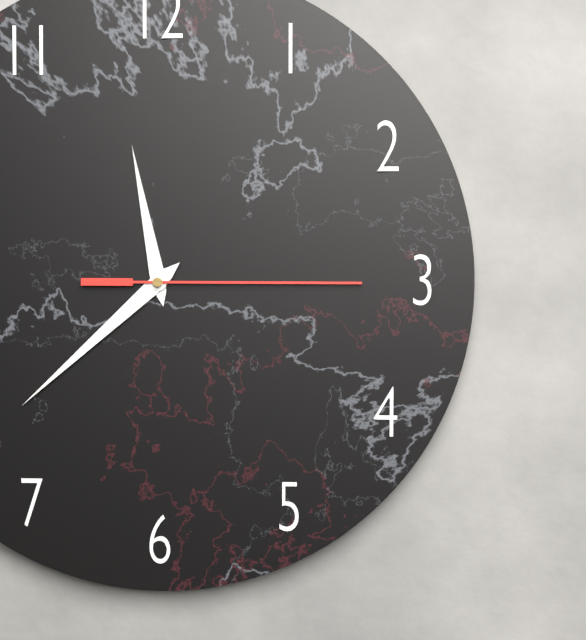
{"hour": 11, "minute": 38, "second": 15}
